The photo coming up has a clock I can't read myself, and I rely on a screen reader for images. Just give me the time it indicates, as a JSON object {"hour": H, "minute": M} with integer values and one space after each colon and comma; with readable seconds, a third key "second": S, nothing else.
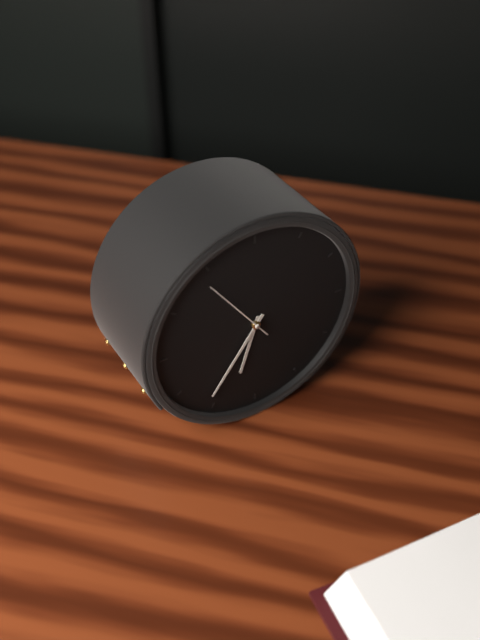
{"hour": 6, "minute": 36, "second": 54}
